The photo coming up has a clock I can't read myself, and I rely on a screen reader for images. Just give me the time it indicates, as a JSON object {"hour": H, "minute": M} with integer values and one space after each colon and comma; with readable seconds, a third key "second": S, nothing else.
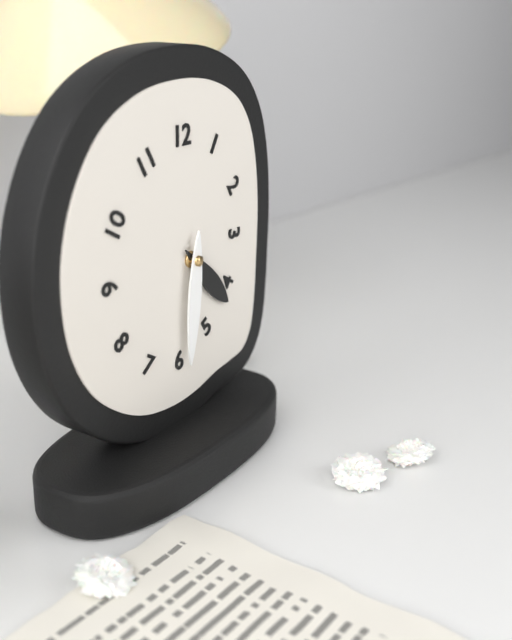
{"hour": 4, "minute": 31}
